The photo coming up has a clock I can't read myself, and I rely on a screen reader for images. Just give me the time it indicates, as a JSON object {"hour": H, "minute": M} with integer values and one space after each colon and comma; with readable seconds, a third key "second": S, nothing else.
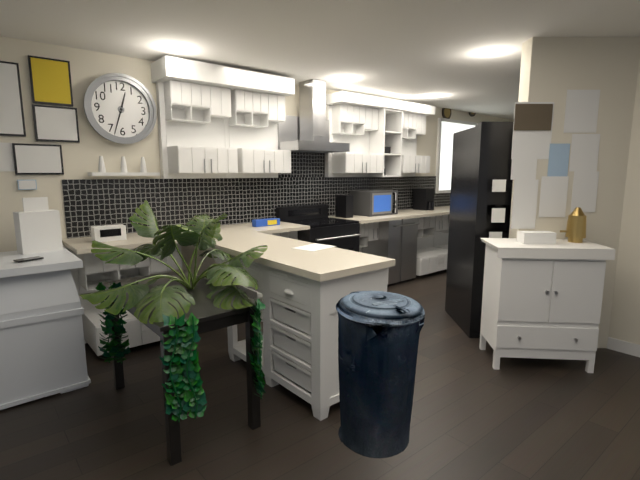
{"hour": 12, "minute": 33}
